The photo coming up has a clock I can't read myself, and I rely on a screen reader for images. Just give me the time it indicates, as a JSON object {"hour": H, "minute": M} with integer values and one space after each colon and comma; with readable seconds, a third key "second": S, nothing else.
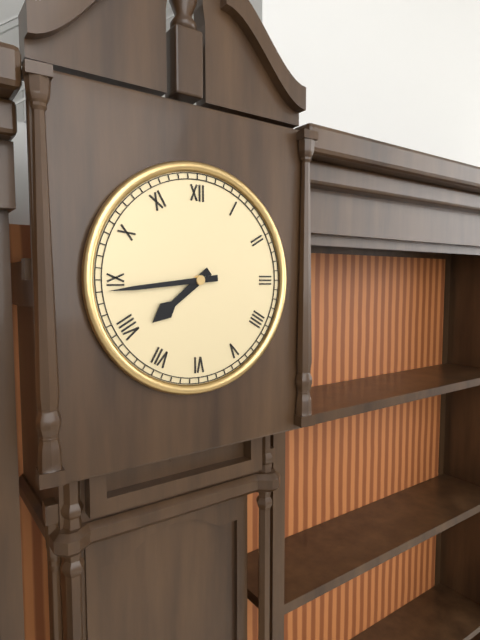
{"hour": 7, "minute": 44}
